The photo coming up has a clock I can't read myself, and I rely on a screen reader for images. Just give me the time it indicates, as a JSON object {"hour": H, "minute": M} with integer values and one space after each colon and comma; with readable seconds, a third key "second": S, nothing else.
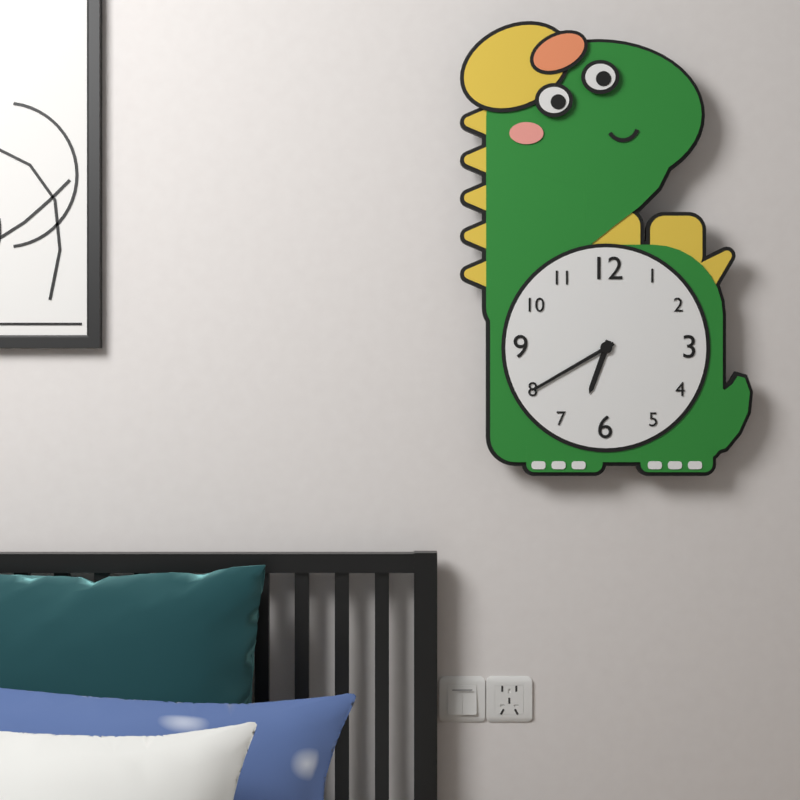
{"hour": 6, "minute": 40}
